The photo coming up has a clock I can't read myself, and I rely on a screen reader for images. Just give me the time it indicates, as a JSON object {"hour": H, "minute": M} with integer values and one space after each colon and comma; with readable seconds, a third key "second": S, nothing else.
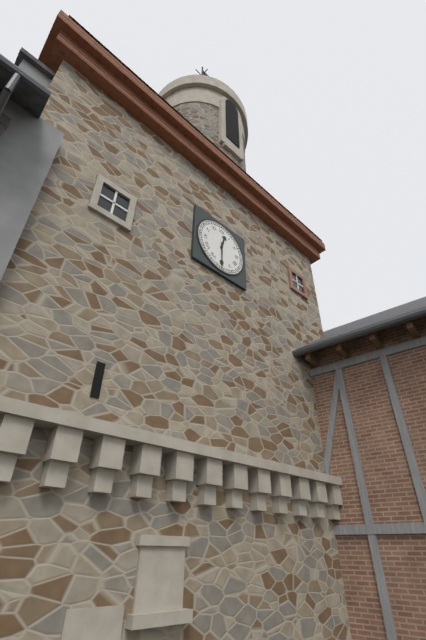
{"hour": 12, "minute": 30}
